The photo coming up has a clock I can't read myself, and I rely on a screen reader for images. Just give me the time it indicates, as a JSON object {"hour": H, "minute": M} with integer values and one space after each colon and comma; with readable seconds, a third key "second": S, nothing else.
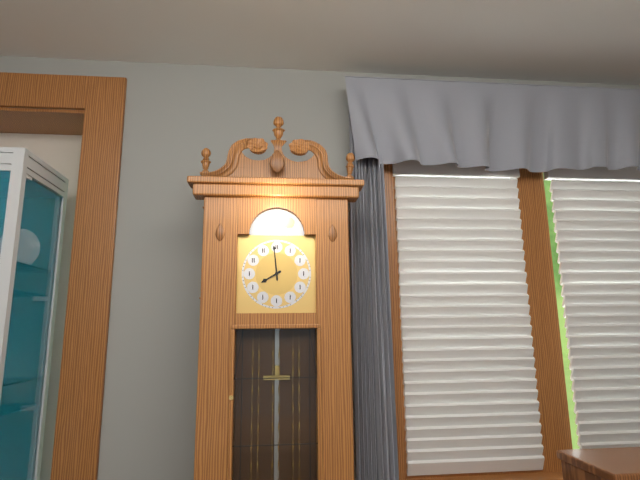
{"hour": 7, "minute": 59}
